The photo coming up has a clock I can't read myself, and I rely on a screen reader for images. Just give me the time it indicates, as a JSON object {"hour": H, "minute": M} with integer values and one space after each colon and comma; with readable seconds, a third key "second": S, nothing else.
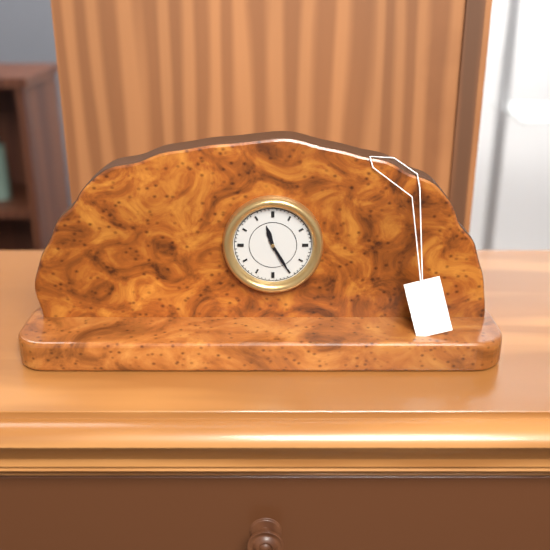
{"hour": 11, "minute": 25}
